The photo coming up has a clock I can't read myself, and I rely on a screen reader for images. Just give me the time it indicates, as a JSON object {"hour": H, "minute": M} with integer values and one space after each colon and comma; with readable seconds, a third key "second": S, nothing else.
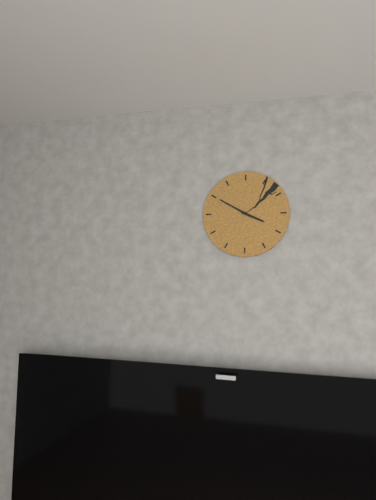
{"hour": 3, "minute": 50}
